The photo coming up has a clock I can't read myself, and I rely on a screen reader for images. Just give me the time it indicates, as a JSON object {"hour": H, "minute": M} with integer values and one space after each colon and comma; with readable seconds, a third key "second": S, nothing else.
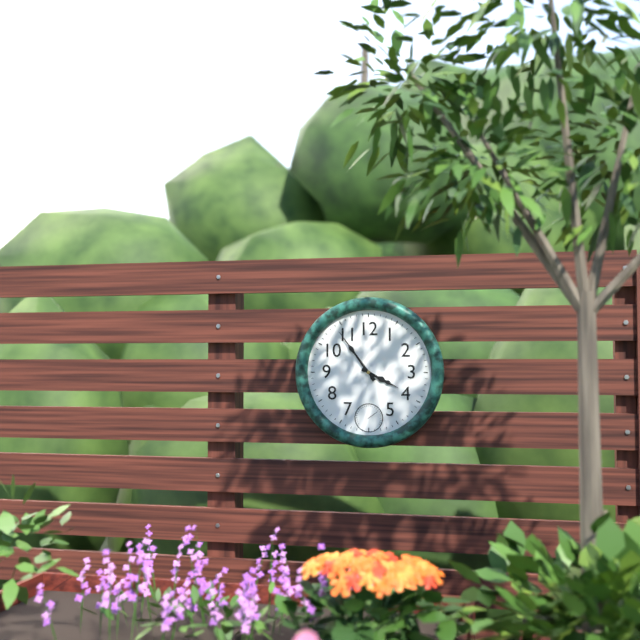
{"hour": 3, "minute": 54}
